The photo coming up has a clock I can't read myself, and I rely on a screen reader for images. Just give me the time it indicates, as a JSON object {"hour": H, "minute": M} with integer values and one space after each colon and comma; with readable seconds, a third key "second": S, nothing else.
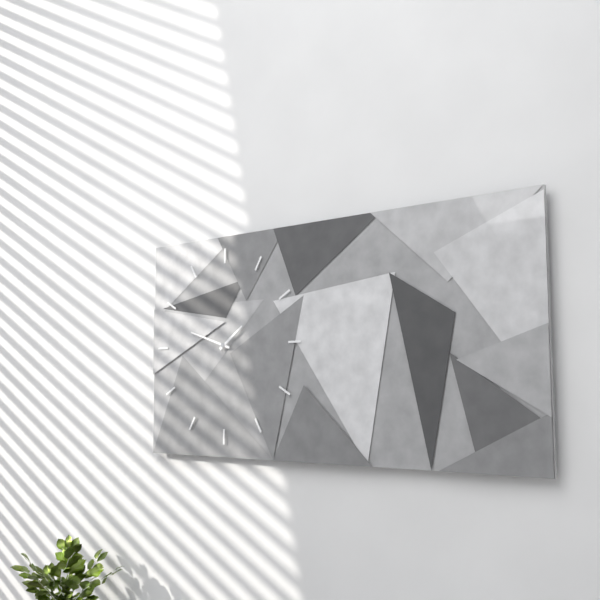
{"hour": 1, "minute": 48}
